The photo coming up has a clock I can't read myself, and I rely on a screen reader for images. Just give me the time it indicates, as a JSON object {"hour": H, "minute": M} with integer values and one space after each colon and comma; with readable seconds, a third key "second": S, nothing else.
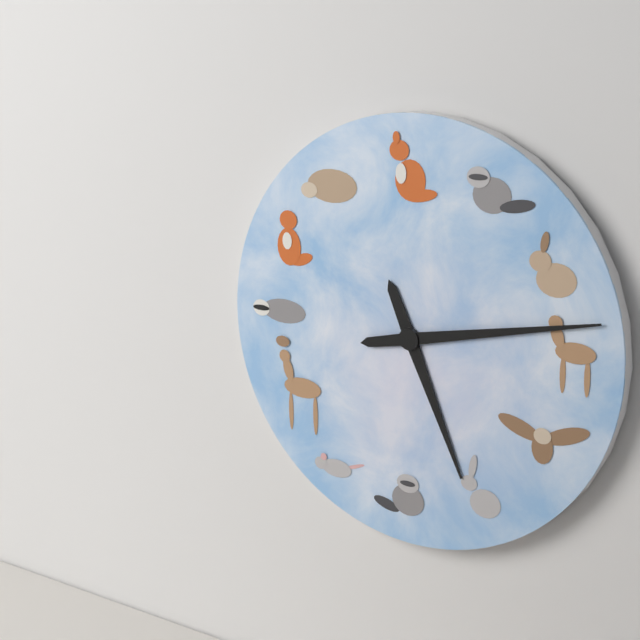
{"hour": 5, "minute": 13}
